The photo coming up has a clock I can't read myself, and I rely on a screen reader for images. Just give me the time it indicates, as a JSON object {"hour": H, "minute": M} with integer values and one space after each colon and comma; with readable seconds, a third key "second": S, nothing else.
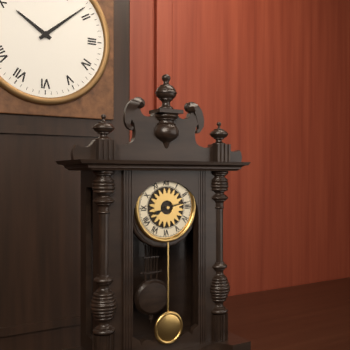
{"hour": 8, "minute": 13}
